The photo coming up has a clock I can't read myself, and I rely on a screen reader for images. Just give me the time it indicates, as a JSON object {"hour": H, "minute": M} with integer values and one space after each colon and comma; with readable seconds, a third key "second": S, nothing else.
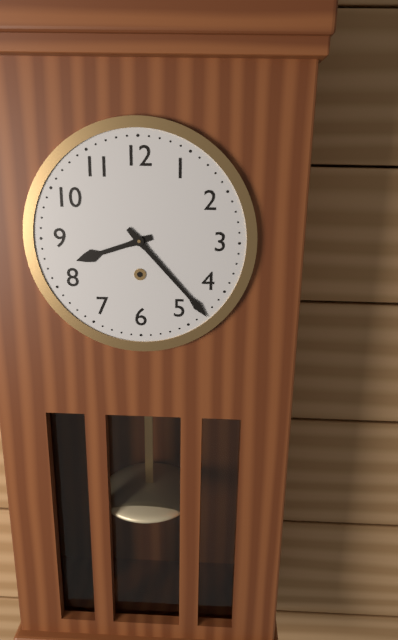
{"hour": 8, "minute": 23}
